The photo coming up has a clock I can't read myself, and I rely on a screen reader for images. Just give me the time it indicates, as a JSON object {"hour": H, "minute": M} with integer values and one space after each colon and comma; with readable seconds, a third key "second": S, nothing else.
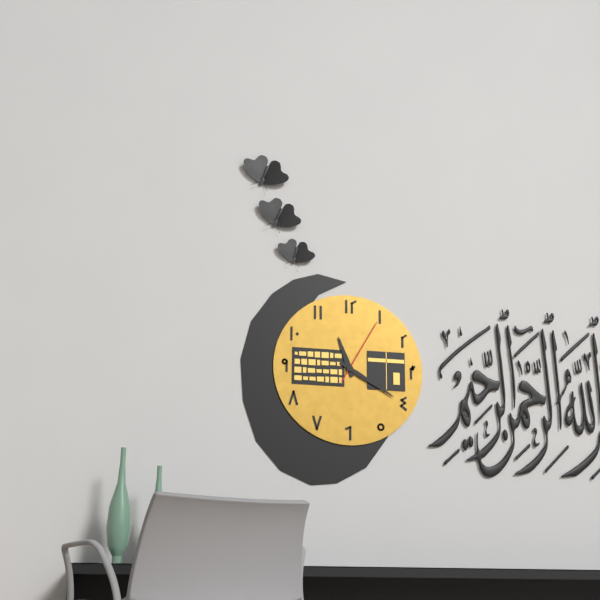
{"hour": 11, "minute": 20, "second": 5}
